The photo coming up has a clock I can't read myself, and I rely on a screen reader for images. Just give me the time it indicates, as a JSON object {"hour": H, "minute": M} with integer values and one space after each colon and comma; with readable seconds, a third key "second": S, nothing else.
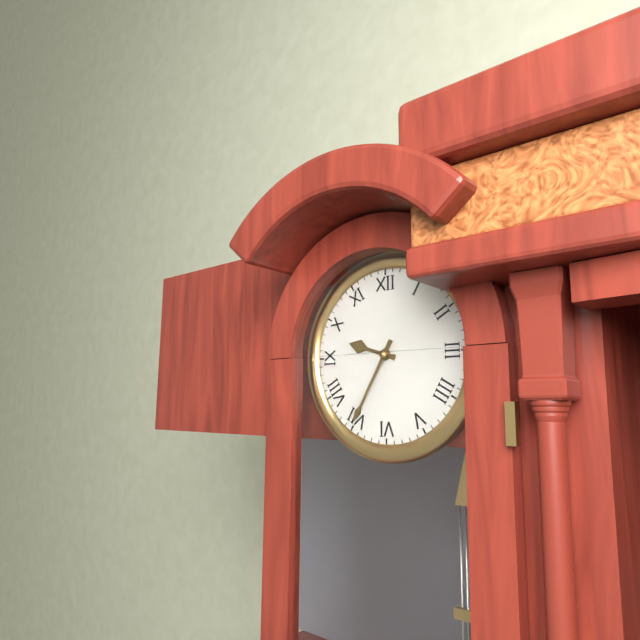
{"hour": 9, "minute": 35}
